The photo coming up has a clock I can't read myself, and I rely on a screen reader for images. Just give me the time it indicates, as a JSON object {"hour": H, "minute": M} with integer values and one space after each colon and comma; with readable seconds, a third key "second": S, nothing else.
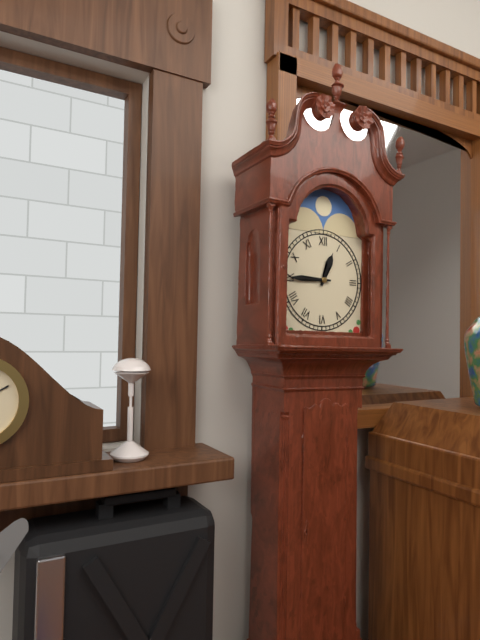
{"hour": 12, "minute": 45}
